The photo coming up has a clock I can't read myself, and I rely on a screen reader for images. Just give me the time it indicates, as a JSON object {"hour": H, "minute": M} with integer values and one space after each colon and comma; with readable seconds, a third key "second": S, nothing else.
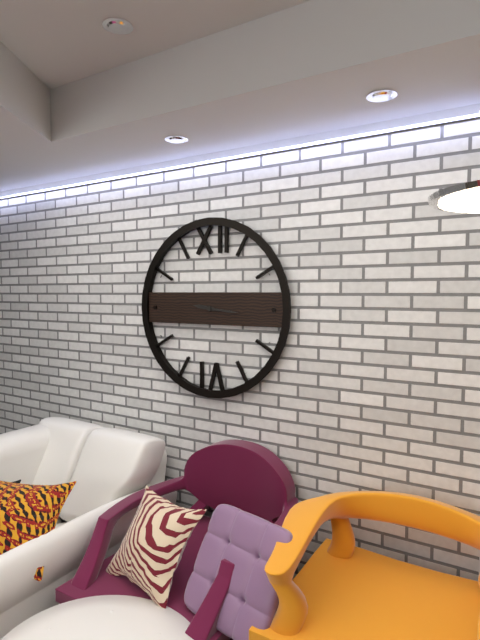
{"hour": 9, "minute": 16}
